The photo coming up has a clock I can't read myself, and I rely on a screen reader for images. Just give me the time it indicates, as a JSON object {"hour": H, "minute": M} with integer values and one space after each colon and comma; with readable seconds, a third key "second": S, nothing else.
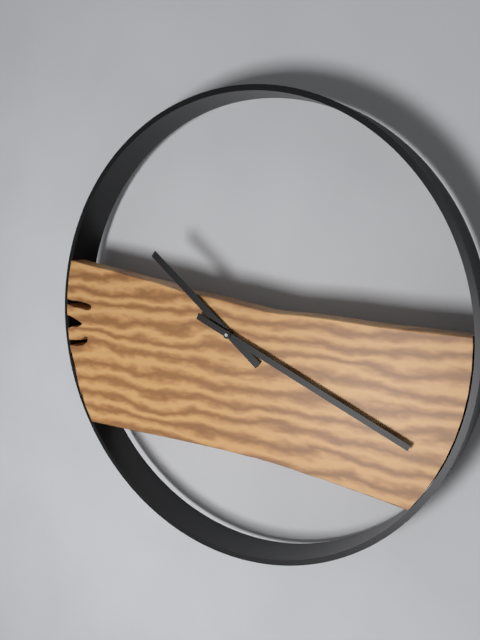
{"hour": 10, "minute": 19}
